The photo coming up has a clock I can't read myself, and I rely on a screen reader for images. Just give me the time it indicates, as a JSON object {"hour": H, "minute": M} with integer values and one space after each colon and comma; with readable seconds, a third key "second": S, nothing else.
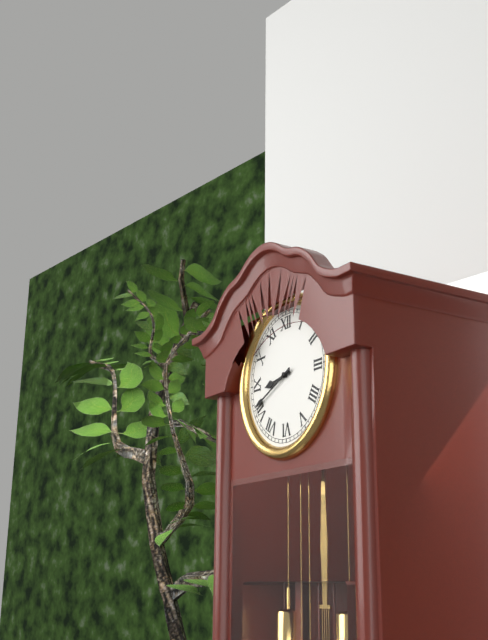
{"hour": 8, "minute": 41}
